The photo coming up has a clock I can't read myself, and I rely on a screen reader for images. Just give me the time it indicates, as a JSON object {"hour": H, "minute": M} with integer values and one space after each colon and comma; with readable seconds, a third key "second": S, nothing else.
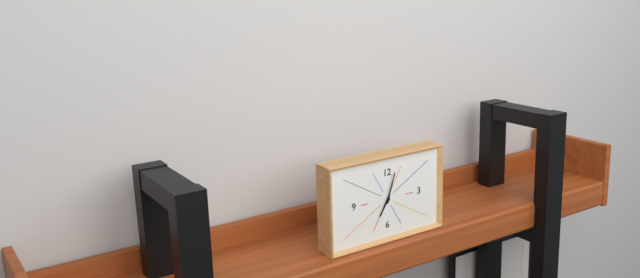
{"hour": 7, "minute": 3}
